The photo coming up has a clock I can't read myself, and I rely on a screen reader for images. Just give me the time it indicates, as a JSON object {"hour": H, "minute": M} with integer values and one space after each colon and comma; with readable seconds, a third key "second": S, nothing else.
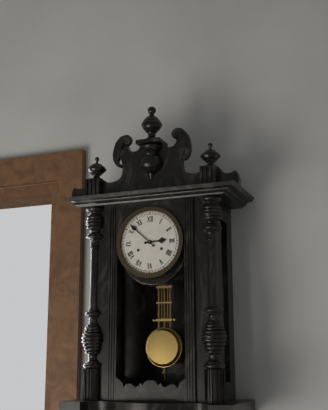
{"hour": 2, "minute": 52}
